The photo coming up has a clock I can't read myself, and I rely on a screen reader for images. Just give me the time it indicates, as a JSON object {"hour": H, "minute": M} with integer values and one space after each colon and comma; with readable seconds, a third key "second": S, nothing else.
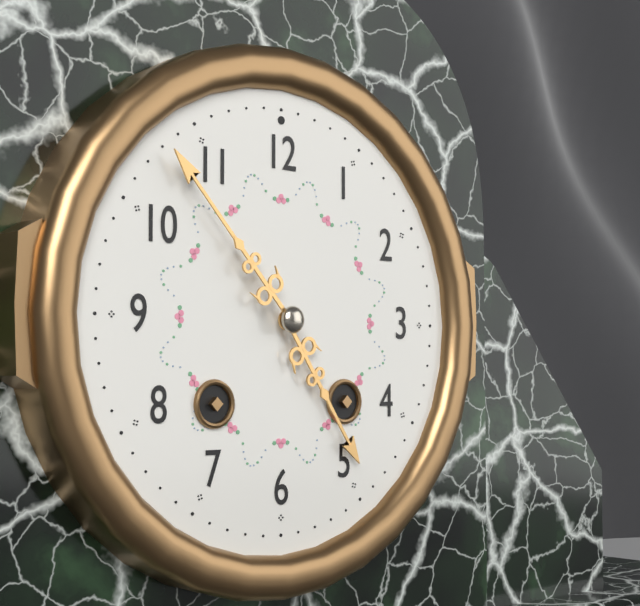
{"hour": 4, "minute": 53}
